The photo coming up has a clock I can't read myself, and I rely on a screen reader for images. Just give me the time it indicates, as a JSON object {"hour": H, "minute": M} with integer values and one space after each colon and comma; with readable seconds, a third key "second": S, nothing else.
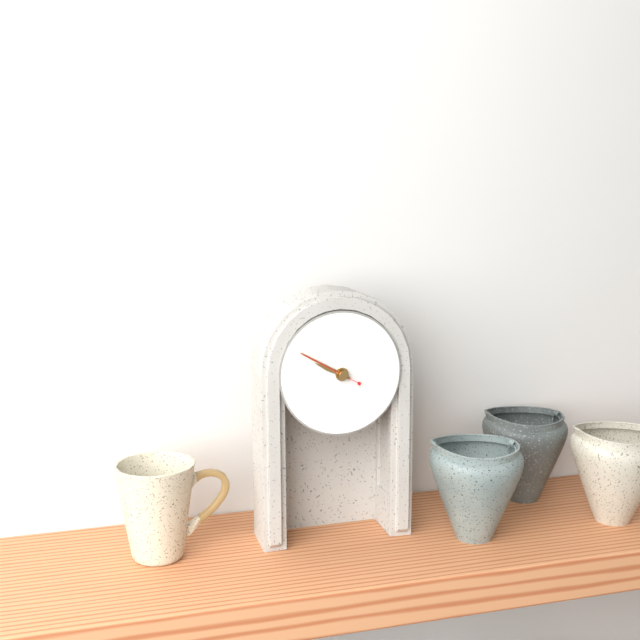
{"hour": 9, "minute": 50, "second": 50}
